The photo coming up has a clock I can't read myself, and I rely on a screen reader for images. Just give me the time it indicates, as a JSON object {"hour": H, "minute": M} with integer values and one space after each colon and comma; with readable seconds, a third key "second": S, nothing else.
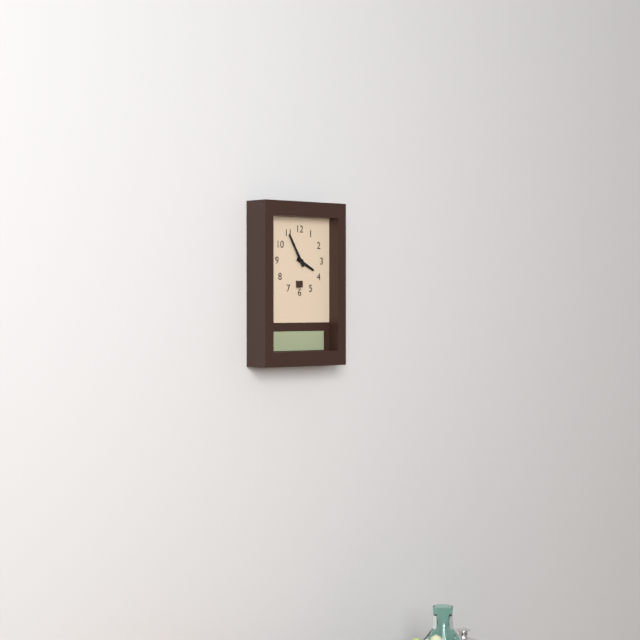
{"hour": 3, "minute": 55}
